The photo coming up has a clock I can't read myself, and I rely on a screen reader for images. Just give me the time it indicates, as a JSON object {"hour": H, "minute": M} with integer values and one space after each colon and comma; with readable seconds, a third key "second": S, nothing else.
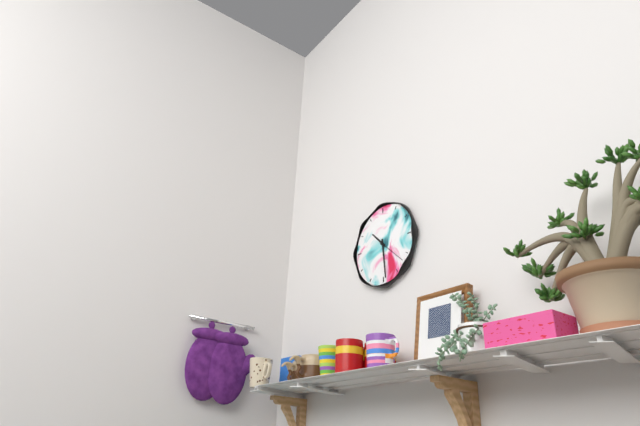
{"hour": 10, "minute": 29}
